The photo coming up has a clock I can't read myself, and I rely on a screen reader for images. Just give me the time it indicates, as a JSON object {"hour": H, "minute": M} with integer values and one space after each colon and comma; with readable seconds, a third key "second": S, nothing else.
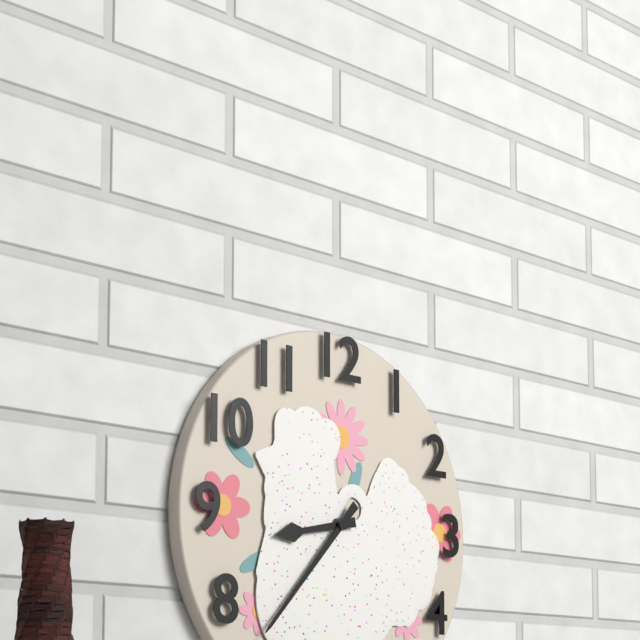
{"hour": 8, "minute": 37}
